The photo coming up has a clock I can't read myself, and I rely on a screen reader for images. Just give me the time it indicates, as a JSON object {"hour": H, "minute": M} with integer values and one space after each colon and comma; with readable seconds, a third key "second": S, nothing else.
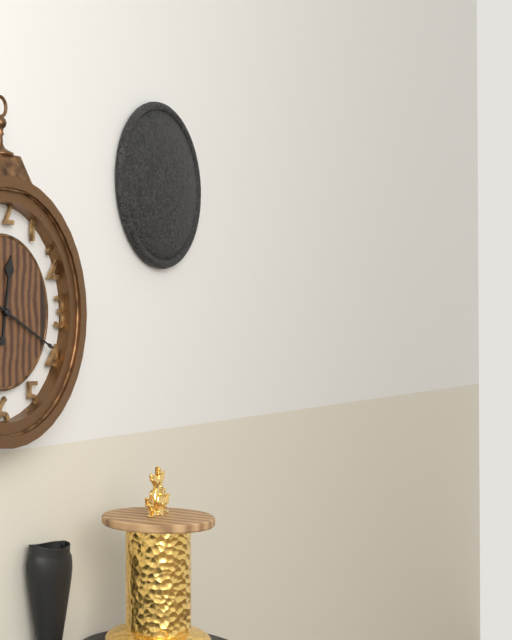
{"hour": 12, "minute": 19}
